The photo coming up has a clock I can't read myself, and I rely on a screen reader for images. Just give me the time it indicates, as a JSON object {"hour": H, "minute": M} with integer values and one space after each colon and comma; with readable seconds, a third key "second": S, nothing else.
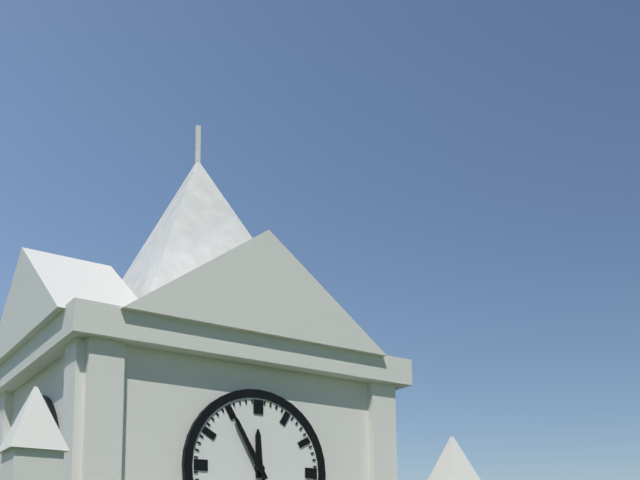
{"hour": 11, "minute": 55}
